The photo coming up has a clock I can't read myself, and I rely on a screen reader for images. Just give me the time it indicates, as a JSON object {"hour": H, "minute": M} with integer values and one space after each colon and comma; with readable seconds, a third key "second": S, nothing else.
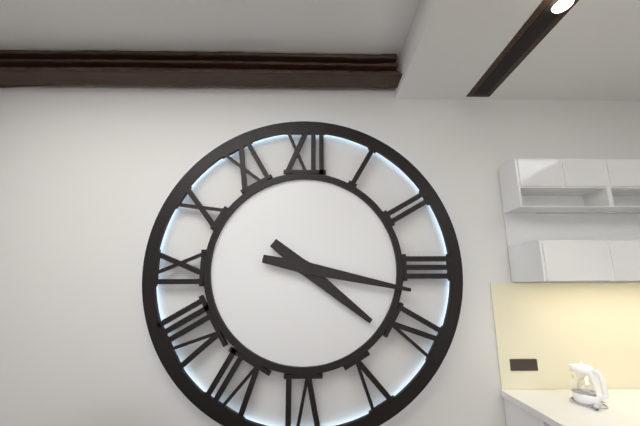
{"hour": 4, "minute": 17}
